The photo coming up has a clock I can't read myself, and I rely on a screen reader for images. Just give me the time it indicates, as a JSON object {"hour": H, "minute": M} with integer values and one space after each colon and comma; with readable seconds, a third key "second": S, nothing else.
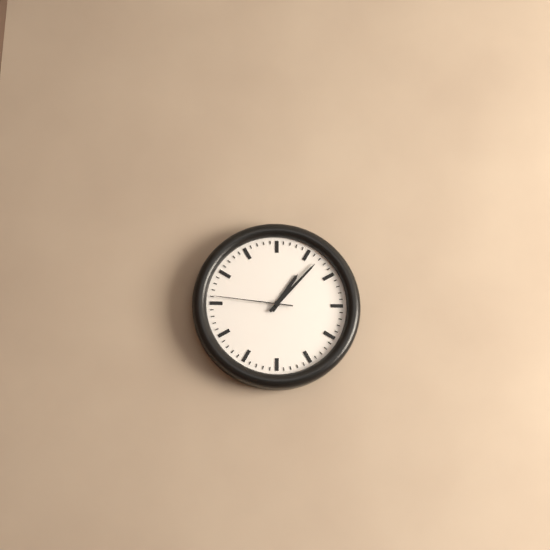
{"hour": 1, "minute": 7, "second": 46}
